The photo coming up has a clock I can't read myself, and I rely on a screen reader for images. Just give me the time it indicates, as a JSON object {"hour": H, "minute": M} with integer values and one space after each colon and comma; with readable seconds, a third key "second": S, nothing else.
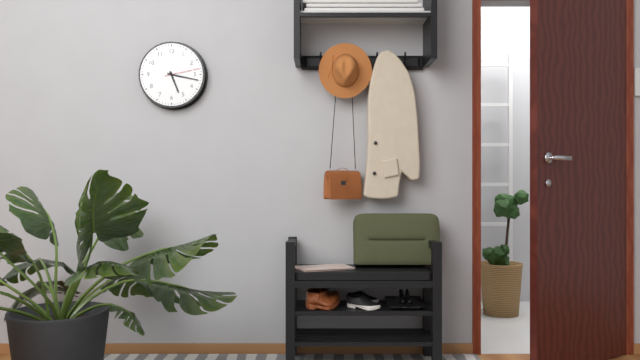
{"hour": 5, "minute": 17}
